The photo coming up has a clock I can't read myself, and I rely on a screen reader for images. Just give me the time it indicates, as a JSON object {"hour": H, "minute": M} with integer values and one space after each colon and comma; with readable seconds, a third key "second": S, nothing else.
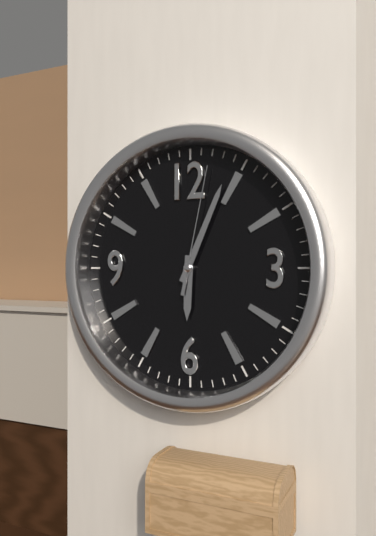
{"hour": 6, "minute": 4, "second": 2}
